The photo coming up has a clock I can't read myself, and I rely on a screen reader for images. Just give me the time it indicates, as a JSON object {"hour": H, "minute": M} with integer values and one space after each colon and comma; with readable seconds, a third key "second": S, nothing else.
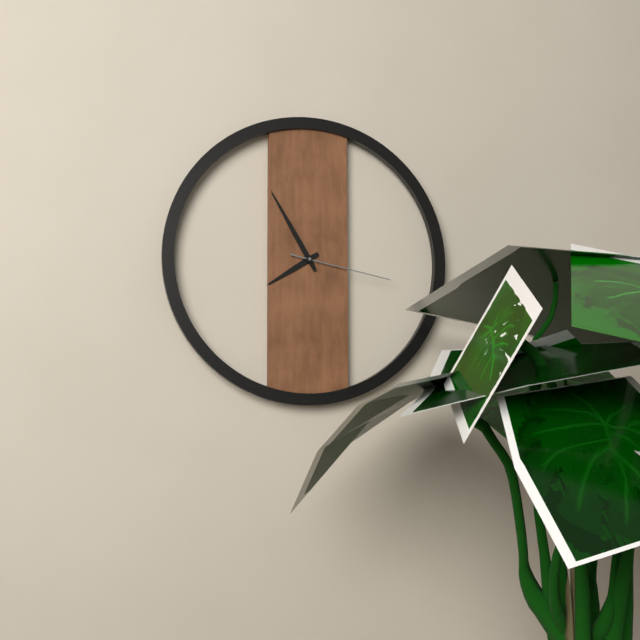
{"hour": 7, "minute": 55, "second": 17}
